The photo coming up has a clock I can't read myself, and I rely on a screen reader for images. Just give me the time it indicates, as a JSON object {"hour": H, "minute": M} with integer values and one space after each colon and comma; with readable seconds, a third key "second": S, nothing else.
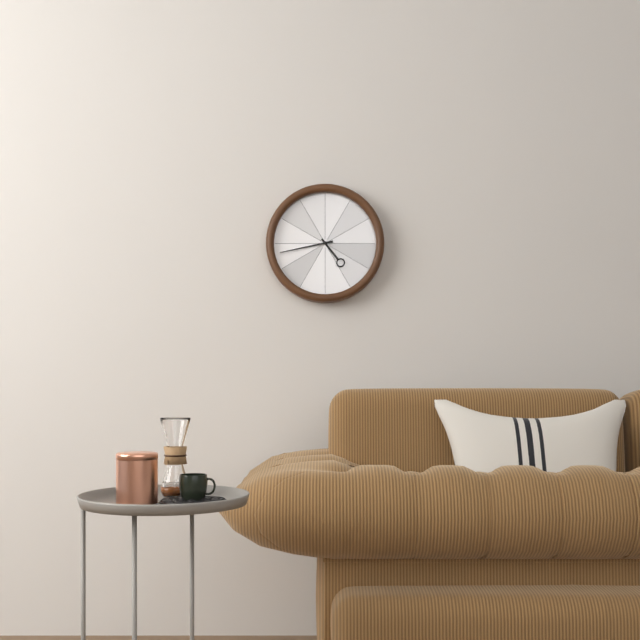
{"hour": 4, "minute": 43}
